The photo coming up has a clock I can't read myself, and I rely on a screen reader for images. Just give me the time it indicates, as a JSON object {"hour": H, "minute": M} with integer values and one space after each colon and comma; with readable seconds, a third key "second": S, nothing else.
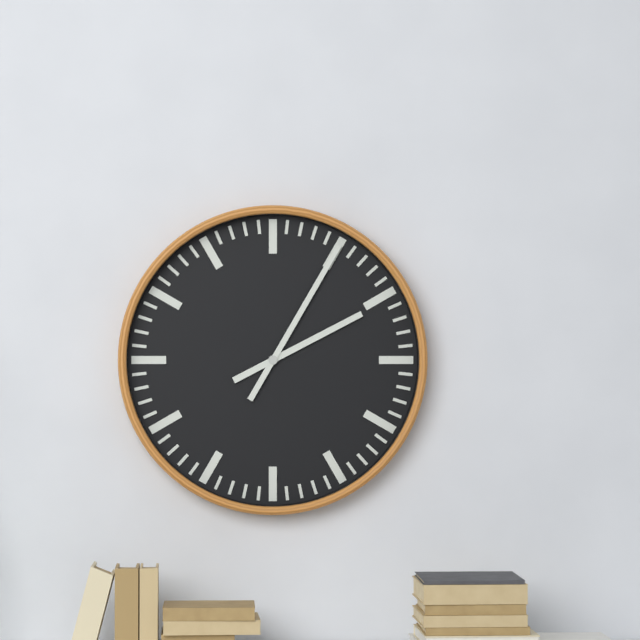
{"hour": 2, "minute": 5}
